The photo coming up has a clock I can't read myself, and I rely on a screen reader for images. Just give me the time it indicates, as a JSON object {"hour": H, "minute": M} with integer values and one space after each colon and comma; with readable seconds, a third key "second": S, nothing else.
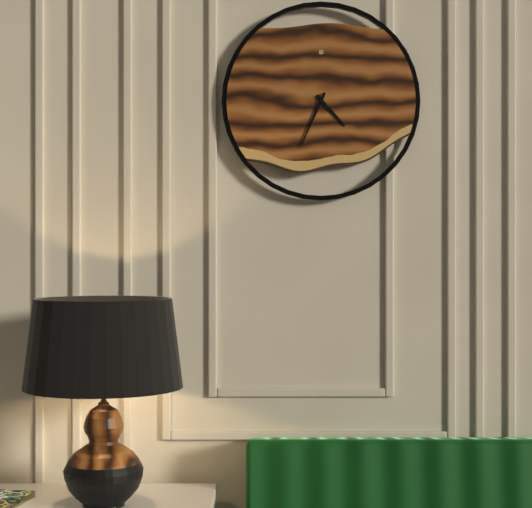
{"hour": 4, "minute": 34}
